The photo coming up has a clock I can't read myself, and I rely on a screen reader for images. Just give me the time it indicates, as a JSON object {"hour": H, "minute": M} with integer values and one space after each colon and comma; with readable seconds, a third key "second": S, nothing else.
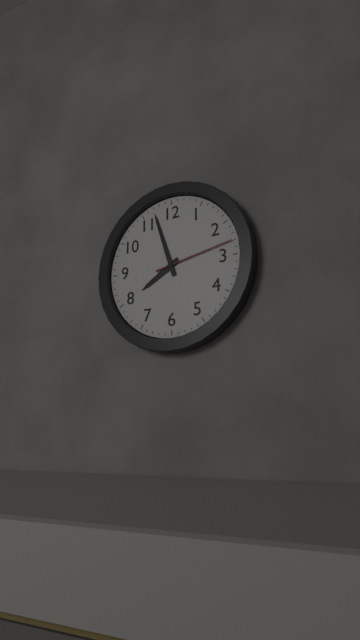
{"hour": 7, "minute": 57, "second": 13}
